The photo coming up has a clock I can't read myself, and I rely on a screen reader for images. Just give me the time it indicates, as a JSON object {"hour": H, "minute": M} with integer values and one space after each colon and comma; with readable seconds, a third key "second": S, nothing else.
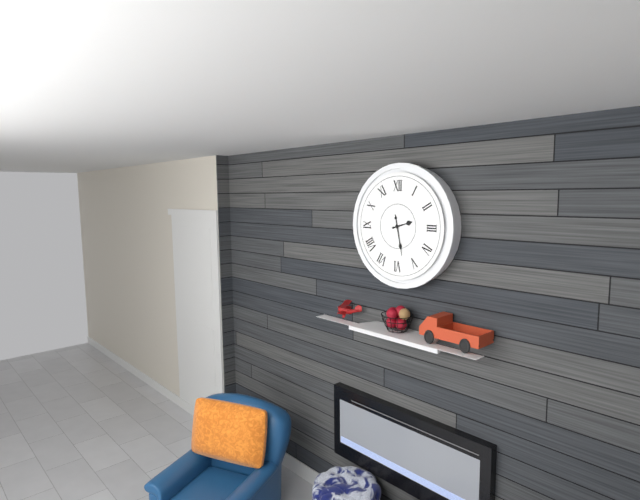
{"hour": 2, "minute": 28}
